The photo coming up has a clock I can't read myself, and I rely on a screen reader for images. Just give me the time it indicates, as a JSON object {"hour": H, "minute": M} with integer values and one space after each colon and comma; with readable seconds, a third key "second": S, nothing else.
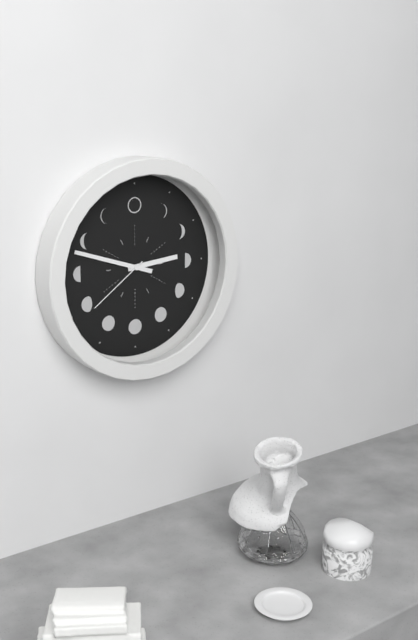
{"hour": 2, "minute": 48, "second": 39}
